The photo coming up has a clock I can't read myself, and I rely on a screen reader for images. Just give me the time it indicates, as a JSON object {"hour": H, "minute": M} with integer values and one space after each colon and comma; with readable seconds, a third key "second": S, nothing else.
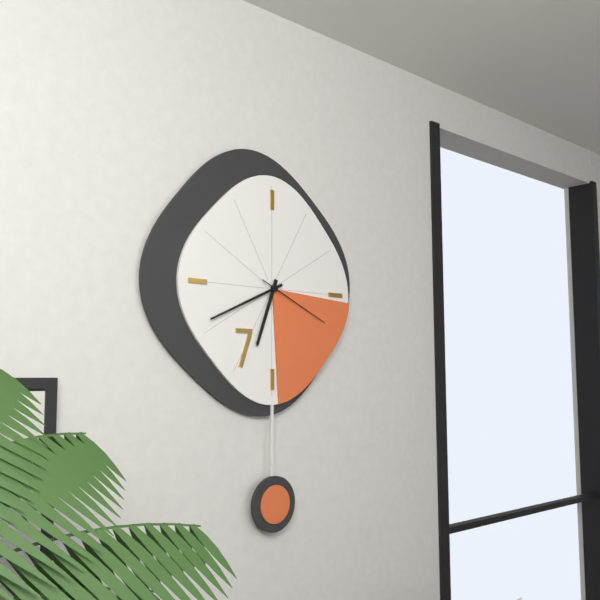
{"hour": 6, "minute": 41, "second": 19}
